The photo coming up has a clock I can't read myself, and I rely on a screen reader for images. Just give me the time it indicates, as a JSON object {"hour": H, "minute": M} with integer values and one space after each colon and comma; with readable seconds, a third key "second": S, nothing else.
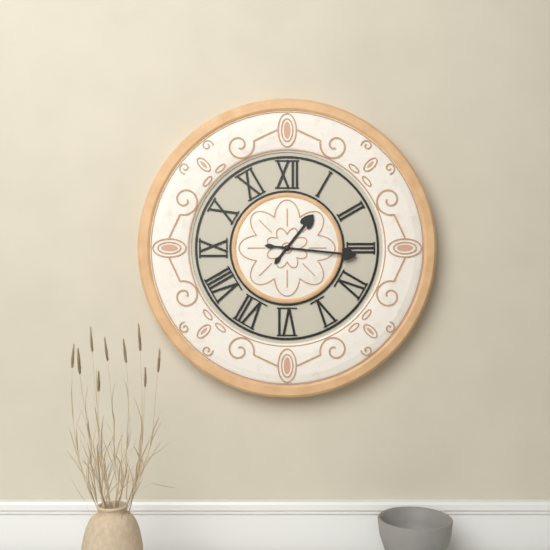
{"hour": 1, "minute": 16}
